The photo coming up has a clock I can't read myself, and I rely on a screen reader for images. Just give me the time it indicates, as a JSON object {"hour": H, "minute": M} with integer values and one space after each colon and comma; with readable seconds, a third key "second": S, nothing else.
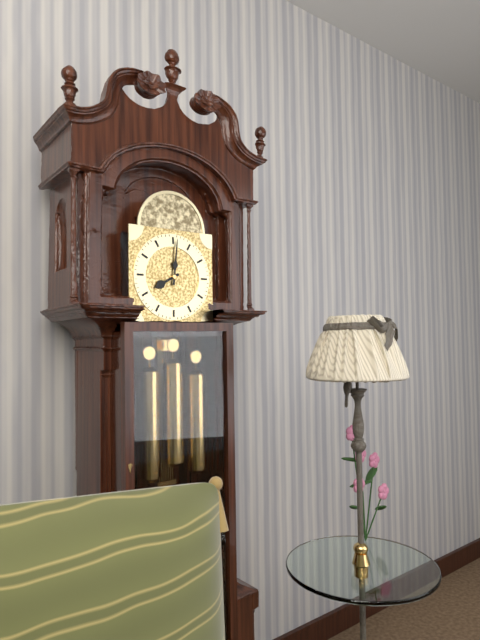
{"hour": 8, "minute": 1}
